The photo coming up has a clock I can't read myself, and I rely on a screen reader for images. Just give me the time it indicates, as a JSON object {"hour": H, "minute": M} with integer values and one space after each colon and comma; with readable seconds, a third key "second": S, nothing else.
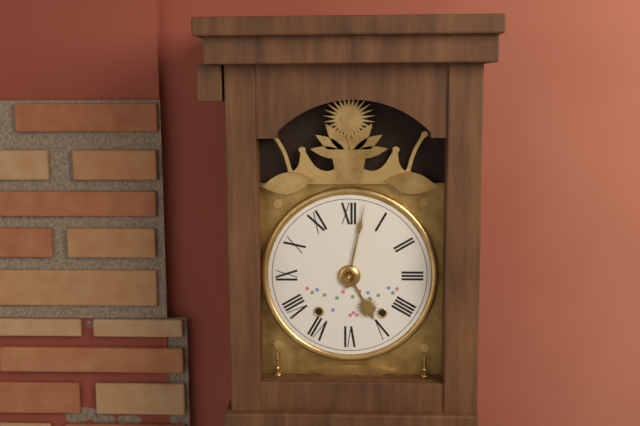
{"hour": 5, "minute": 2}
